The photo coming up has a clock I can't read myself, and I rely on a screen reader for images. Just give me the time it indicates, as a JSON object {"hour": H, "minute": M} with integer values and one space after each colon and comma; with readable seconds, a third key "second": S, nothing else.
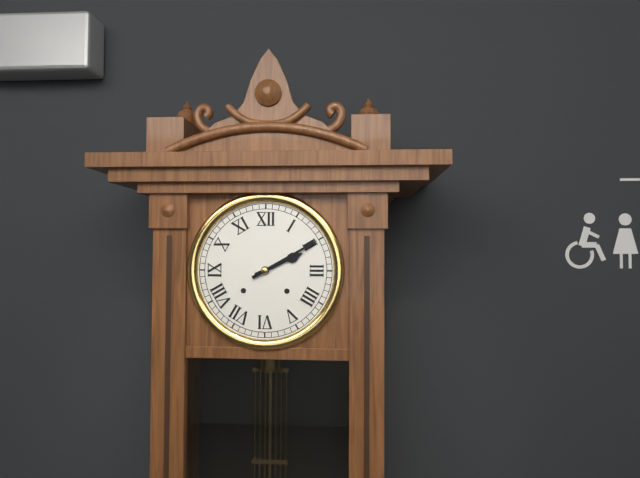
{"hour": 2, "minute": 10}
